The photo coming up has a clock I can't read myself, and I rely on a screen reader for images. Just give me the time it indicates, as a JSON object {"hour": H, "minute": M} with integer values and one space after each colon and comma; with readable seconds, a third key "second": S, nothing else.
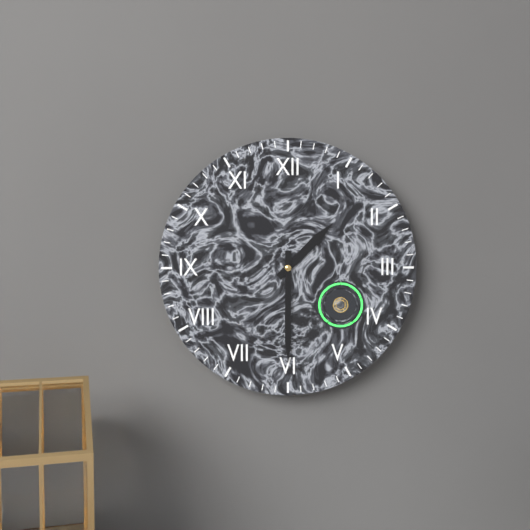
{"hour": 1, "minute": 30}
